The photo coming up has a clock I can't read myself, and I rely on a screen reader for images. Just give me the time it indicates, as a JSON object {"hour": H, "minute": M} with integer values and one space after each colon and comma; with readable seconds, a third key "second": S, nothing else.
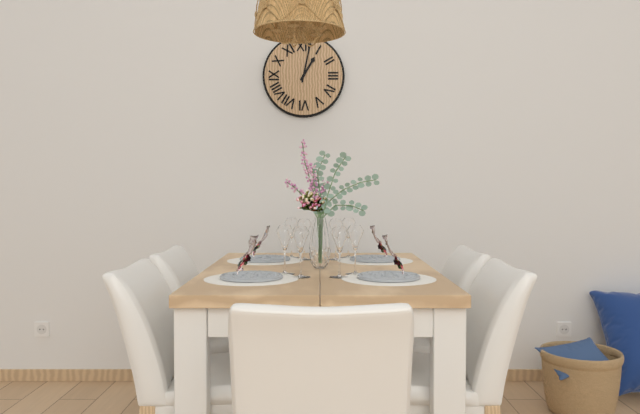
{"hour": 1, "minute": 2}
